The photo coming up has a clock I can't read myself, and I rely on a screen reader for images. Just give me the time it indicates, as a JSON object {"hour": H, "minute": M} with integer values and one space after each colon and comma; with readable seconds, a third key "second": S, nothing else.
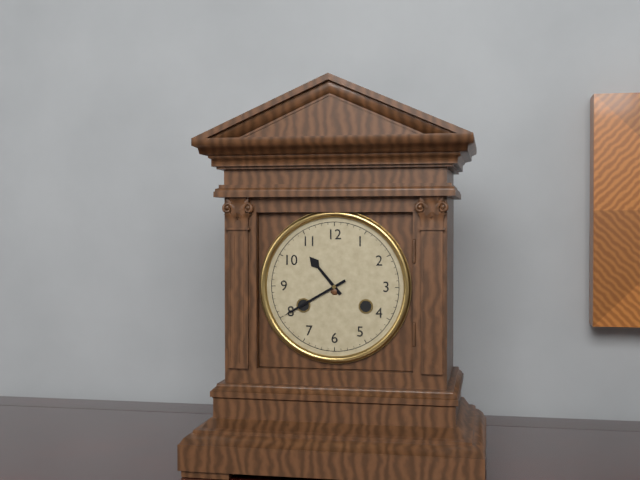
{"hour": 10, "minute": 40}
